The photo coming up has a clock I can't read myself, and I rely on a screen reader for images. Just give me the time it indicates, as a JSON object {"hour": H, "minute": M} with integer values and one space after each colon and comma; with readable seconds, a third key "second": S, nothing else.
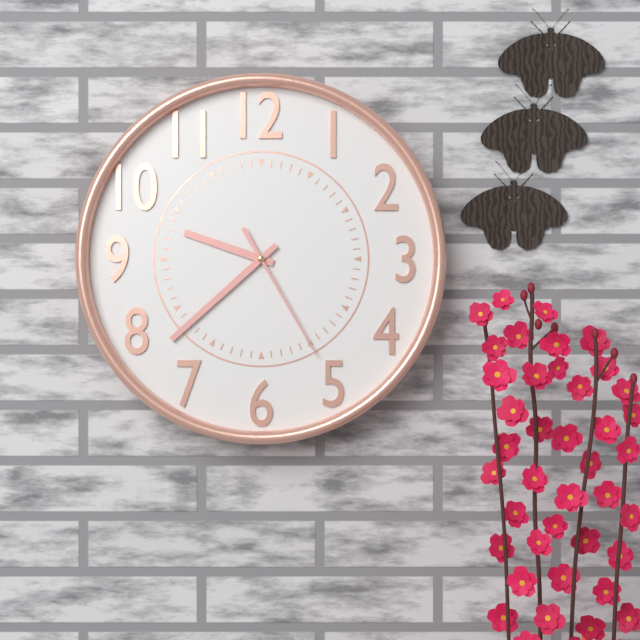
{"hour": 9, "minute": 38, "second": 25}
